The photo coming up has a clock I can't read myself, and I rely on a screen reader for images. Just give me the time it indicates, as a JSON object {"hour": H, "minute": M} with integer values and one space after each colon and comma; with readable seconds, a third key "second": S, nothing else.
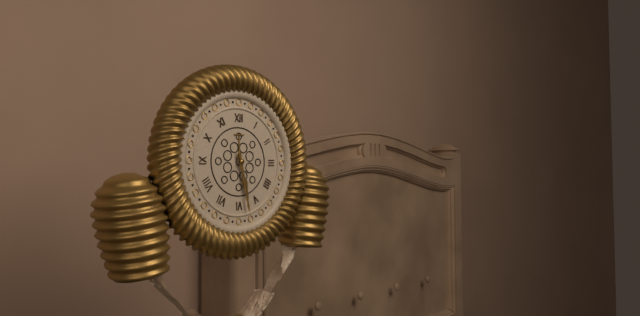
{"hour": 5, "minute": 28}
